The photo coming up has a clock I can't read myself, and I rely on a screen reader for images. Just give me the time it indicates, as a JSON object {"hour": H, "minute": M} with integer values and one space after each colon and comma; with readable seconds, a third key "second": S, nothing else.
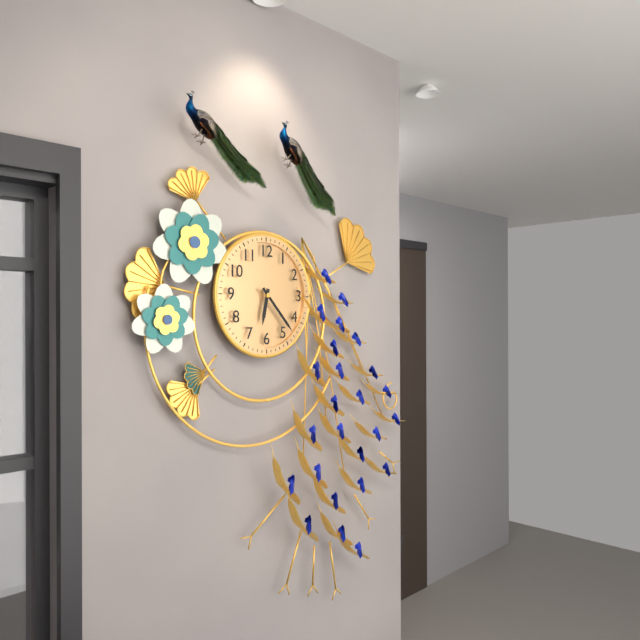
{"hour": 6, "minute": 23}
